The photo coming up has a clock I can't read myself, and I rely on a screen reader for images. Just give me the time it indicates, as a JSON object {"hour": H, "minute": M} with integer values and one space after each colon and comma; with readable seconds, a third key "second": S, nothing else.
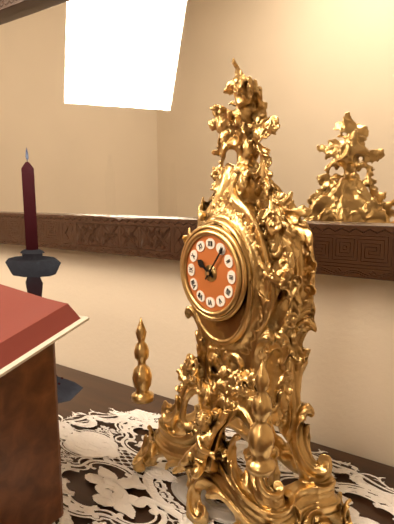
{"hour": 10, "minute": 6}
